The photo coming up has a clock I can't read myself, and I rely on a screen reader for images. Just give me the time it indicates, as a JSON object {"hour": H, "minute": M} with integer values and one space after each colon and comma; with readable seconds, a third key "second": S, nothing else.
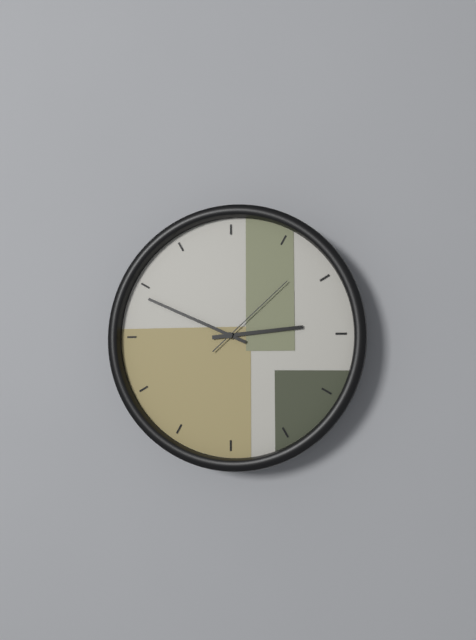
{"hour": 2, "minute": 49, "second": 8}
